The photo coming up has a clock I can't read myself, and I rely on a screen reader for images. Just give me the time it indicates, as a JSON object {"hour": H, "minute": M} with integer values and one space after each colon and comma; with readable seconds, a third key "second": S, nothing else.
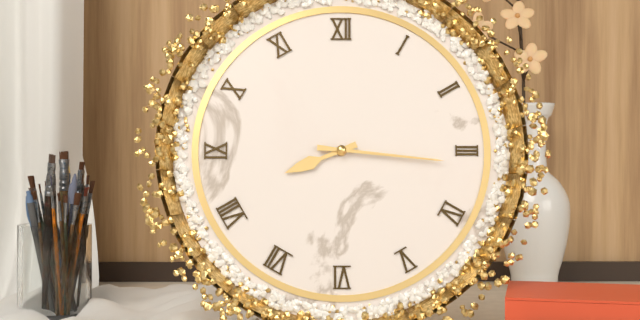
{"hour": 8, "minute": 16}
